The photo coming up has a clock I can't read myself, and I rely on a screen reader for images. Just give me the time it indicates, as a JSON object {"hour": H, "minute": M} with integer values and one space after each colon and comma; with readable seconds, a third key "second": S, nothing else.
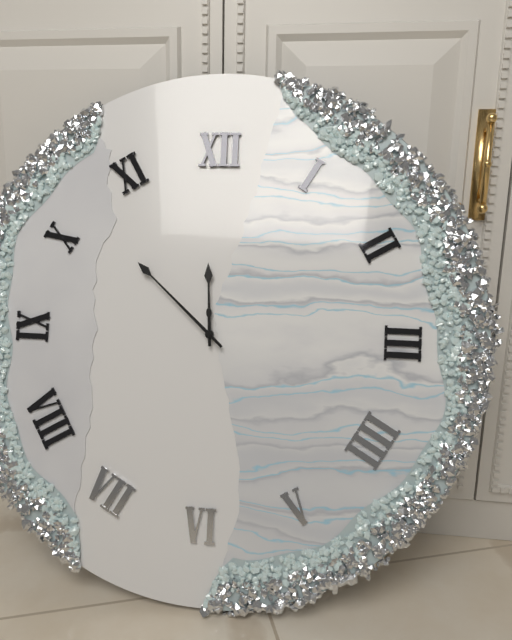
{"hour": 11, "minute": 52}
